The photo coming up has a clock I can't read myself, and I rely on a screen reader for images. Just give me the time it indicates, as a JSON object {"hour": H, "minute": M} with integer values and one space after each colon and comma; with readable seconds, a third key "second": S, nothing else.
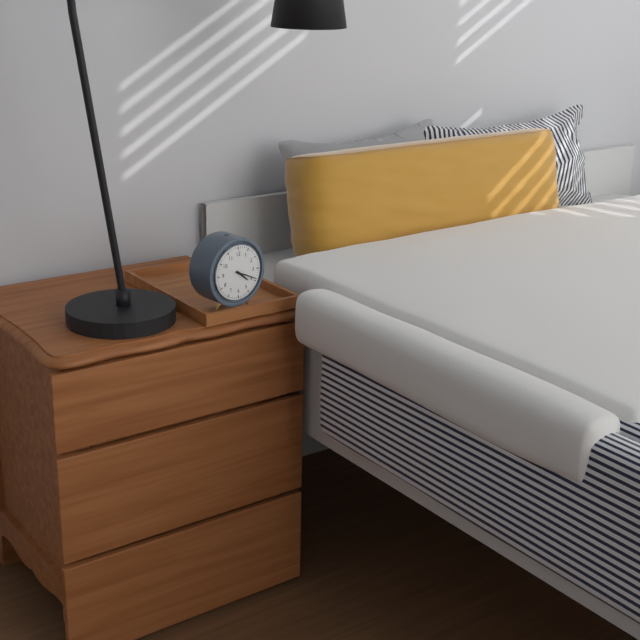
{"hour": 4, "minute": 19}
